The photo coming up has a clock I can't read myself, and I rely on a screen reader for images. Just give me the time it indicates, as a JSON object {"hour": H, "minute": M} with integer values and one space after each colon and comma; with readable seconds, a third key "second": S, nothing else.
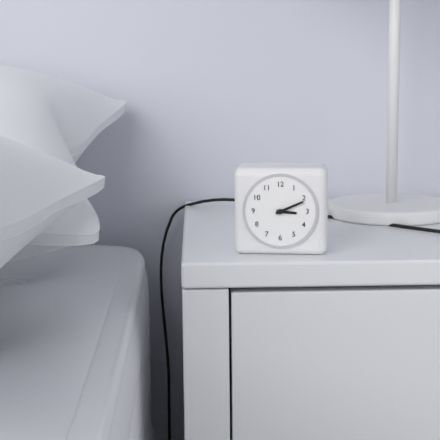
{"hour": 3, "minute": 11}
